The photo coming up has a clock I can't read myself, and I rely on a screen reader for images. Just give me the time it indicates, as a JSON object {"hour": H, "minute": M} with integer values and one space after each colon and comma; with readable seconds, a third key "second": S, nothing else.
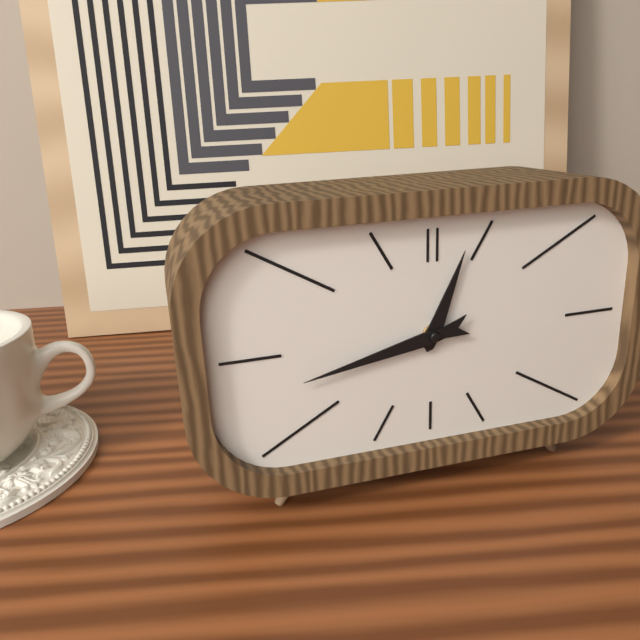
{"hour": 12, "minute": 43}
